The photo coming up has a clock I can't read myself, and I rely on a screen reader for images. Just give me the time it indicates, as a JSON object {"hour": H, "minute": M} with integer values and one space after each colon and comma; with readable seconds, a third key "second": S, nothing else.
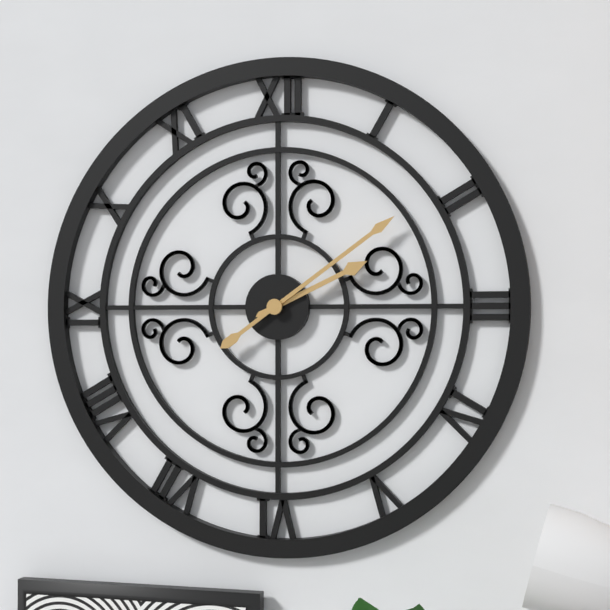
{"hour": 2, "minute": 9}
